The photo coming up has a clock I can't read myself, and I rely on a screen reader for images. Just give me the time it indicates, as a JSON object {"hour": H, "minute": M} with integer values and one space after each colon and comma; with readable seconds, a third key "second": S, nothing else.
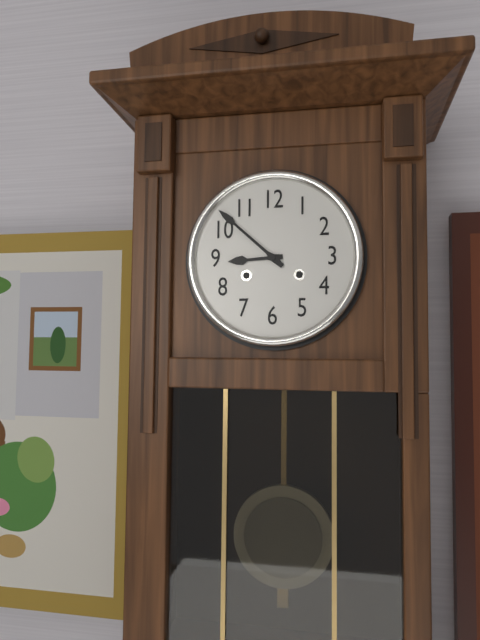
{"hour": 8, "minute": 52}
